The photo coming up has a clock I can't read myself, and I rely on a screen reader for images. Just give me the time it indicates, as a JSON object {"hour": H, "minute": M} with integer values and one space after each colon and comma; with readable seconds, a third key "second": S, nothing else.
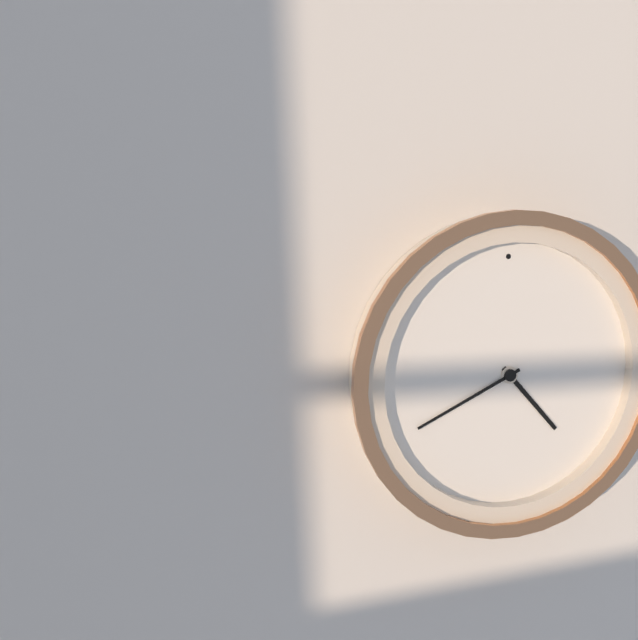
{"hour": 4, "minute": 41}
